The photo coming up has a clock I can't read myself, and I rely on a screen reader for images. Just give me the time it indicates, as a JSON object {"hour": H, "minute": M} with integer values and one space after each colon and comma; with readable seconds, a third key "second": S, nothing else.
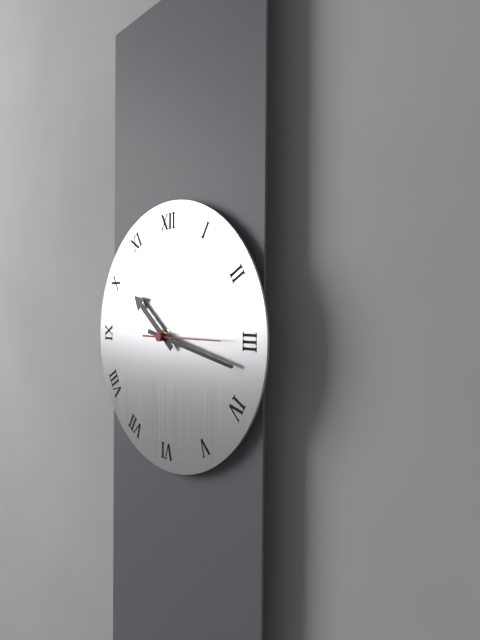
{"hour": 10, "minute": 17, "second": 15}
